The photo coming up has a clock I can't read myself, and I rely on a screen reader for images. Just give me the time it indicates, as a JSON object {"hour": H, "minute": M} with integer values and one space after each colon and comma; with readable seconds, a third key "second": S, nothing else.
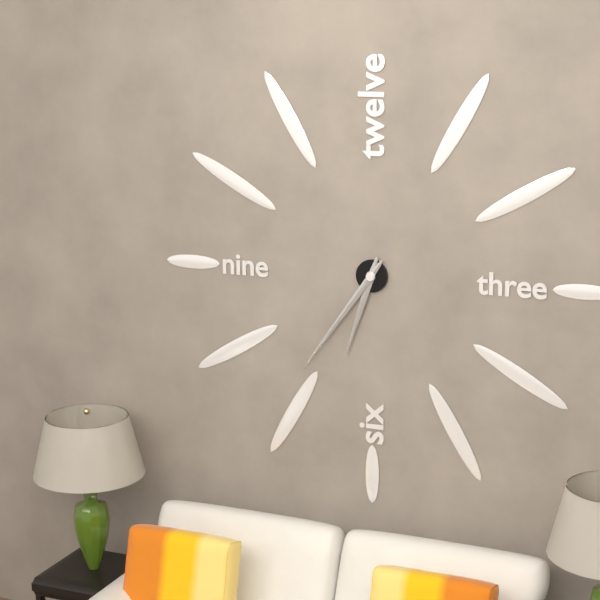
{"hour": 6, "minute": 36}
